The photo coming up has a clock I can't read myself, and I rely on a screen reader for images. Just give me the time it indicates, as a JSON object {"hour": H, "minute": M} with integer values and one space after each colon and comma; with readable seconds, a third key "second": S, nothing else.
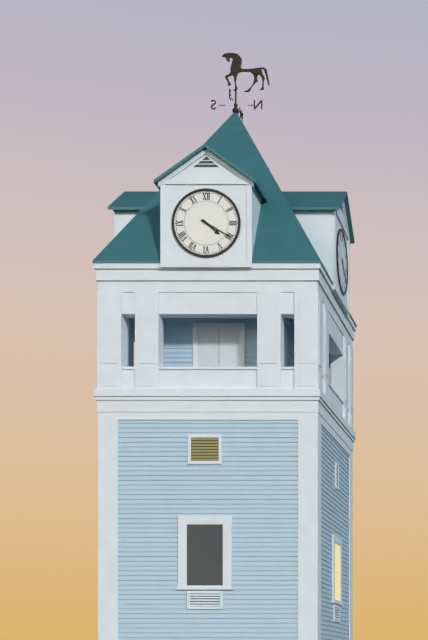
{"hour": 4, "minute": 20}
